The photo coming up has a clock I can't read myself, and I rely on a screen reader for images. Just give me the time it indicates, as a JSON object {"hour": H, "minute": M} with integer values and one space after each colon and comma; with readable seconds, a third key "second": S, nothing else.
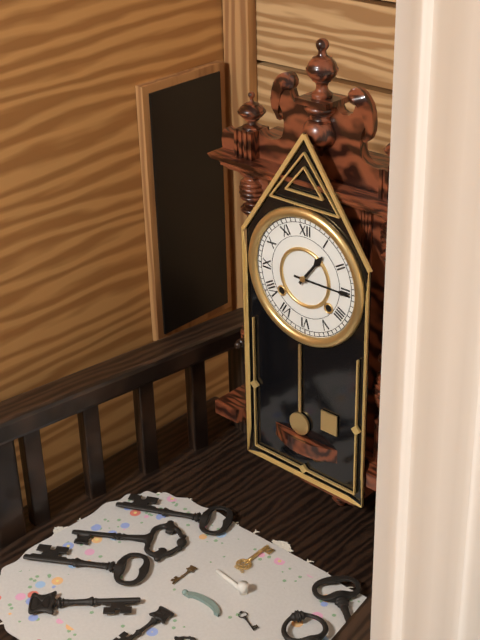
{"hour": 1, "minute": 15}
